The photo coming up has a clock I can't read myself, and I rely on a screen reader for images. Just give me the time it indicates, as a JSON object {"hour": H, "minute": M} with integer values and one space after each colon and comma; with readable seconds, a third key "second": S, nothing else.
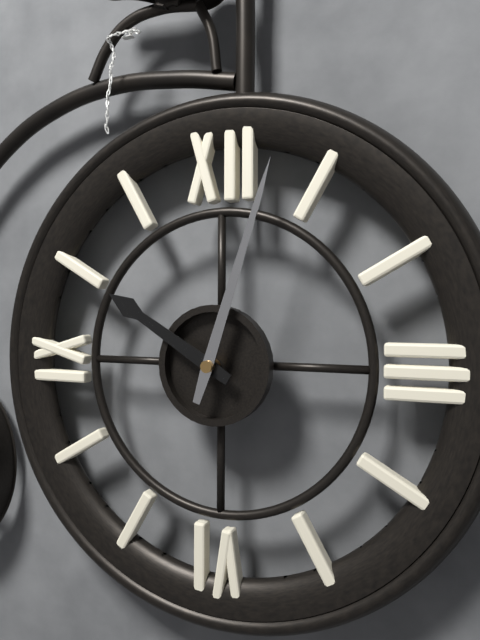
{"hour": 10, "minute": 3}
